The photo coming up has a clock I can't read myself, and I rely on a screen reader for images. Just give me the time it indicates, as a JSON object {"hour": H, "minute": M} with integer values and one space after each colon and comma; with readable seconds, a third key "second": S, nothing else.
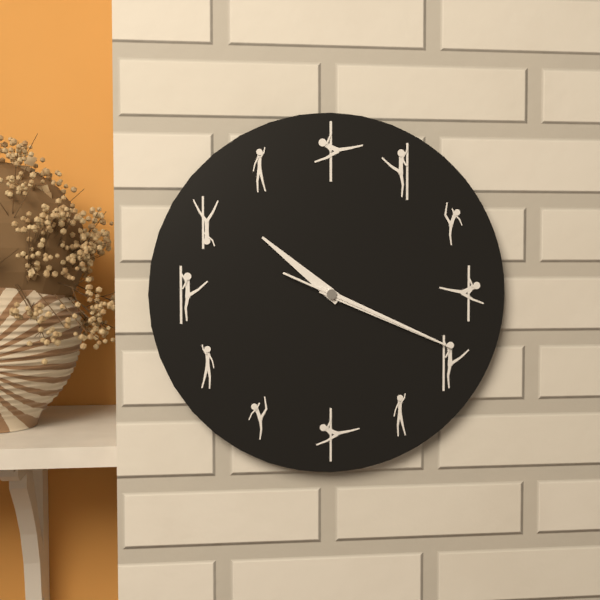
{"hour": 10, "minute": 19, "second": 19}
